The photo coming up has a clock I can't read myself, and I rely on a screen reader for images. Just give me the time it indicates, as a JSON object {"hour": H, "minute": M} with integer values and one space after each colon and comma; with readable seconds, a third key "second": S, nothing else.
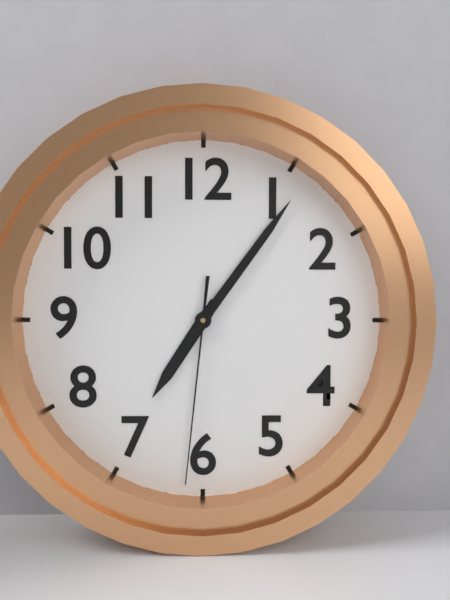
{"hour": 7, "minute": 6, "second": 31}
